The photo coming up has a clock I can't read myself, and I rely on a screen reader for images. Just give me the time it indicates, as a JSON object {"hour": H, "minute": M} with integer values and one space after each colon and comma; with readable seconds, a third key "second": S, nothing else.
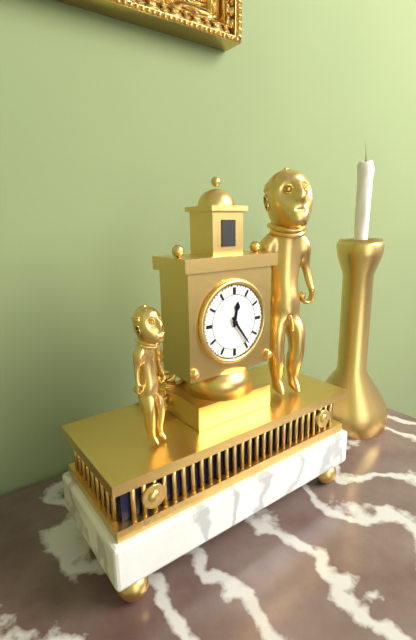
{"hour": 12, "minute": 24}
